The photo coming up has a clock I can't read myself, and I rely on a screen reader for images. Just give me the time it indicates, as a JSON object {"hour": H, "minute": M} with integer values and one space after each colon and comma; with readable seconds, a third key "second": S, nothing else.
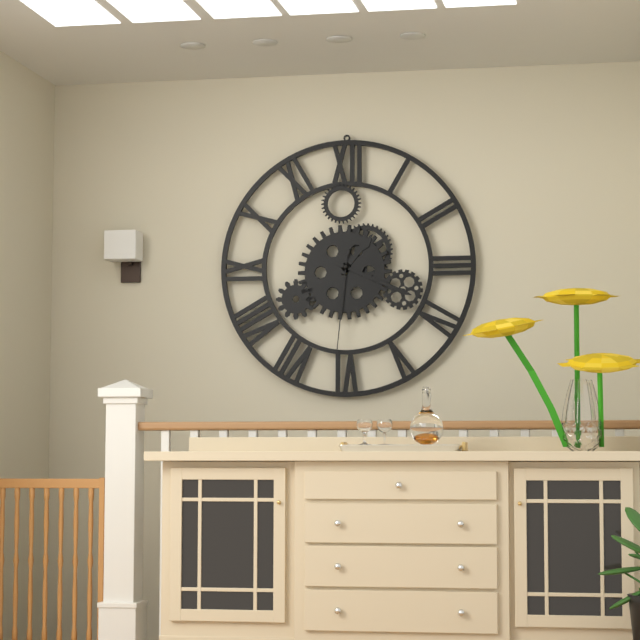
{"hour": 1, "minute": 19, "second": 31}
